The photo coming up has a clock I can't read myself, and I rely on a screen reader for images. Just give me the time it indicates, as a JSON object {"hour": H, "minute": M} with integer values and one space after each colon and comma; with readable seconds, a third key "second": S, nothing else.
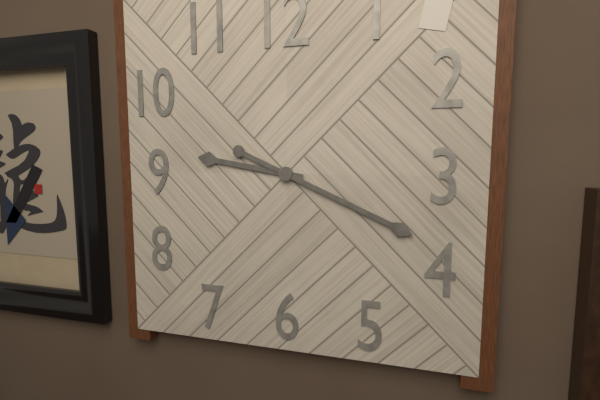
{"hour": 9, "minute": 19}
